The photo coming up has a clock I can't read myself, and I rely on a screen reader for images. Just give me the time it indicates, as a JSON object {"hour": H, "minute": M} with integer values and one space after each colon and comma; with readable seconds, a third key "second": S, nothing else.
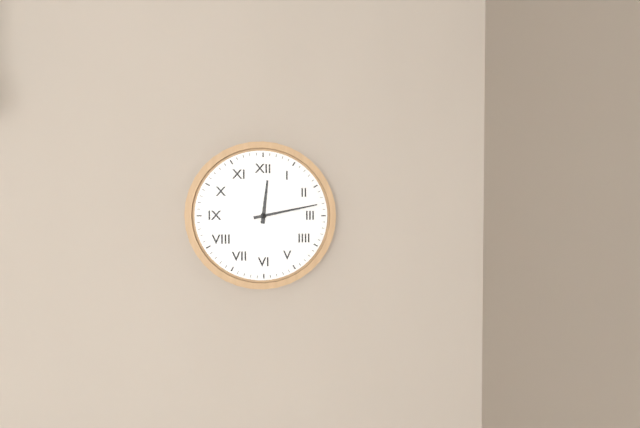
{"hour": 12, "minute": 13}
